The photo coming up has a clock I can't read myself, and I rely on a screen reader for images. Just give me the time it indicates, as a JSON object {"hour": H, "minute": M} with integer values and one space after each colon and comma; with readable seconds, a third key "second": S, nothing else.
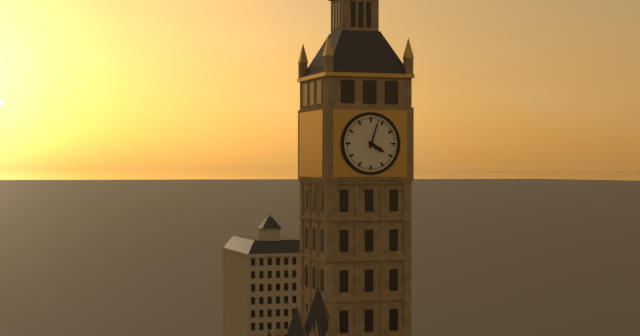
{"hour": 4, "minute": 3}
